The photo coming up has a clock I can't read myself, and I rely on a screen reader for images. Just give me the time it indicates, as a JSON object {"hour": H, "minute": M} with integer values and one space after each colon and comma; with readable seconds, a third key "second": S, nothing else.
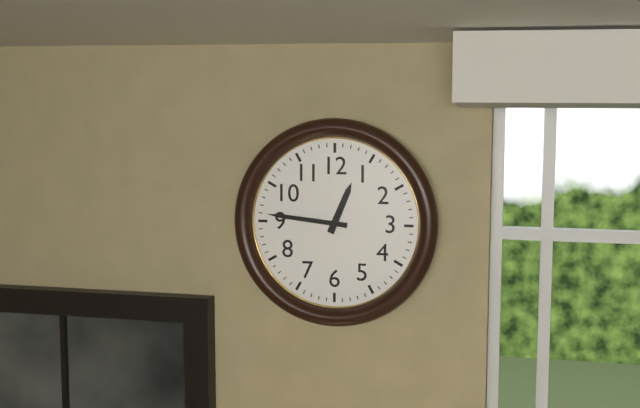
{"hour": 12, "minute": 46}
